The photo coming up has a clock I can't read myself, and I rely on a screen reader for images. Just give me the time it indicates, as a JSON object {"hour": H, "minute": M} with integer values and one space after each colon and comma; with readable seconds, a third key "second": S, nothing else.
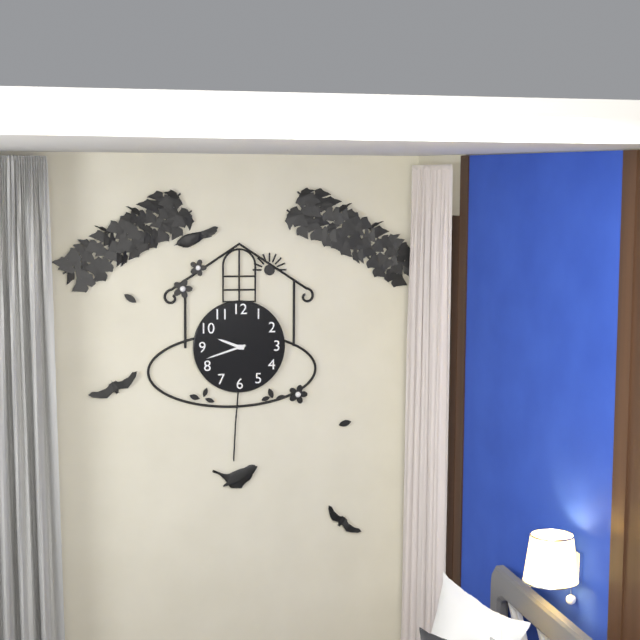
{"hour": 9, "minute": 42}
